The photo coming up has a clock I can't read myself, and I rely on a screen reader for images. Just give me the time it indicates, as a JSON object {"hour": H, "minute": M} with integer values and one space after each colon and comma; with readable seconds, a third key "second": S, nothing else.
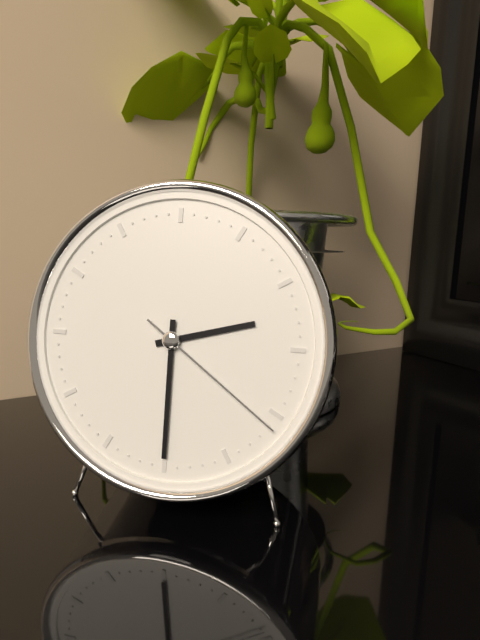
{"hour": 2, "minute": 30, "second": 21}
